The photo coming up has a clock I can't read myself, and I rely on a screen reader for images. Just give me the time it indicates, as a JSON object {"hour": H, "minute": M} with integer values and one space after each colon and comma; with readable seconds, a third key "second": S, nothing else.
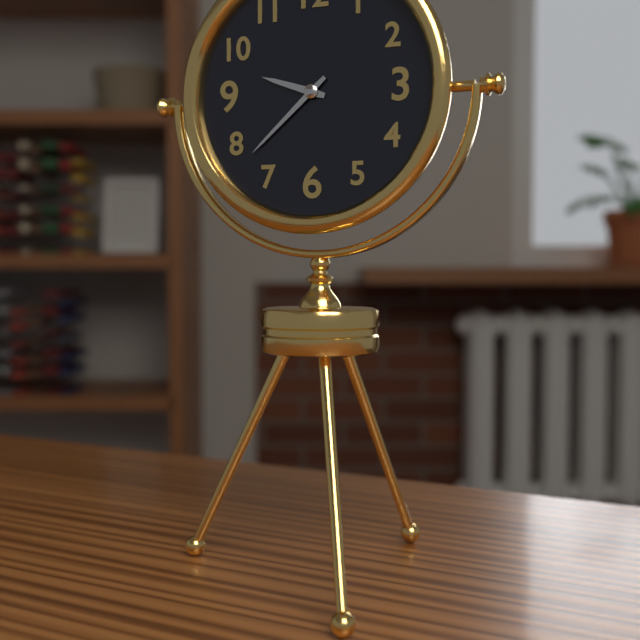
{"hour": 9, "minute": 38}
